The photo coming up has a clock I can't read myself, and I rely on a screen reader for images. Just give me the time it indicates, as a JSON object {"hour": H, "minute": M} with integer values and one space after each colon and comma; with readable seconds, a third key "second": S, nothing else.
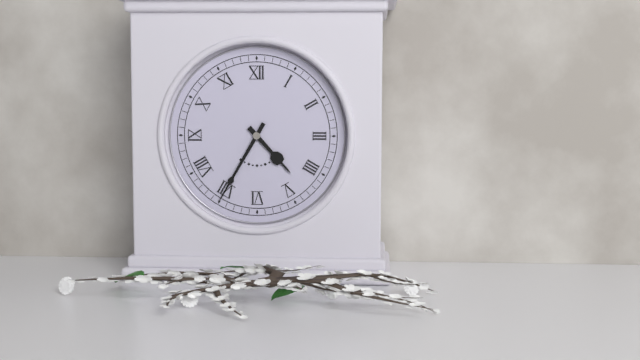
{"hour": 4, "minute": 35}
